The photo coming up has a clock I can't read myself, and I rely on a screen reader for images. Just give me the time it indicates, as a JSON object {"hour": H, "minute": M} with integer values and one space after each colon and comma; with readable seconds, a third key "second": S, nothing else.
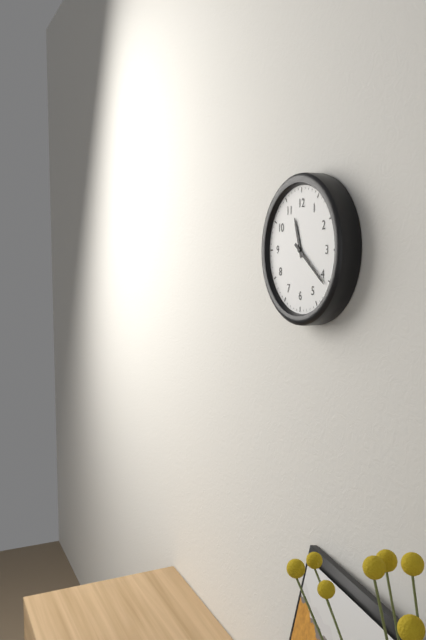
{"hour": 11, "minute": 21}
